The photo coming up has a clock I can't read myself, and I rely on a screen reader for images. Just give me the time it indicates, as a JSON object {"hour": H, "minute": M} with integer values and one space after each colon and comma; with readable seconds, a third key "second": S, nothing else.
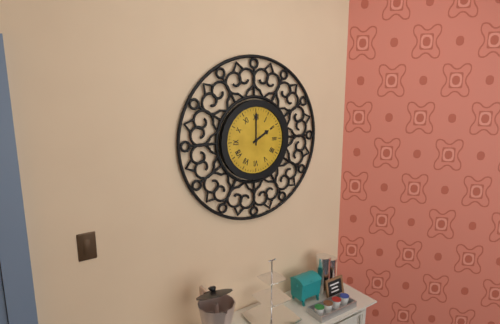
{"hour": 2, "minute": 0}
